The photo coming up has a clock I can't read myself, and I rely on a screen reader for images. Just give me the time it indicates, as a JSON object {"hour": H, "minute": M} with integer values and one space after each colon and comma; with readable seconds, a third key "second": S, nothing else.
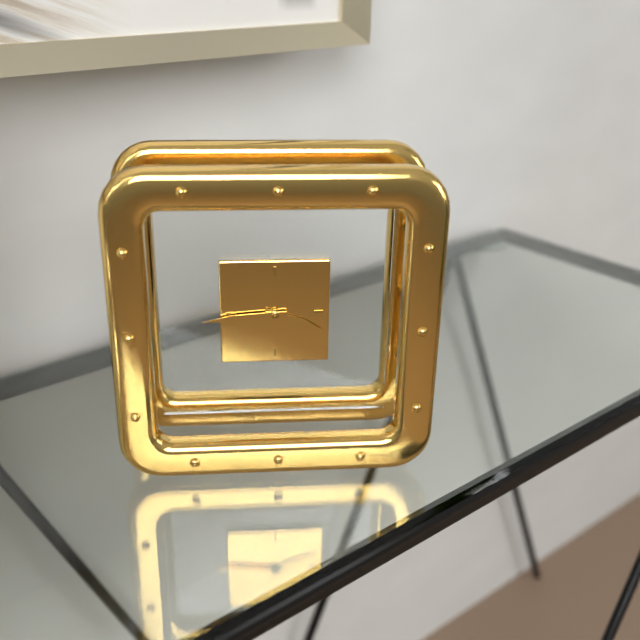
{"hour": 3, "minute": 44}
